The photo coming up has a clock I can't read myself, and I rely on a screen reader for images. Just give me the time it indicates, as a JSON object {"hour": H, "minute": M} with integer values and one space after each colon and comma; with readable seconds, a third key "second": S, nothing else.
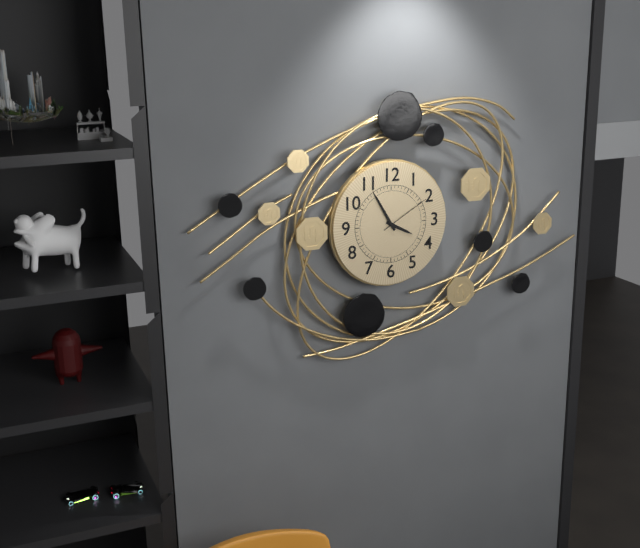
{"hour": 3, "minute": 55, "second": 10}
